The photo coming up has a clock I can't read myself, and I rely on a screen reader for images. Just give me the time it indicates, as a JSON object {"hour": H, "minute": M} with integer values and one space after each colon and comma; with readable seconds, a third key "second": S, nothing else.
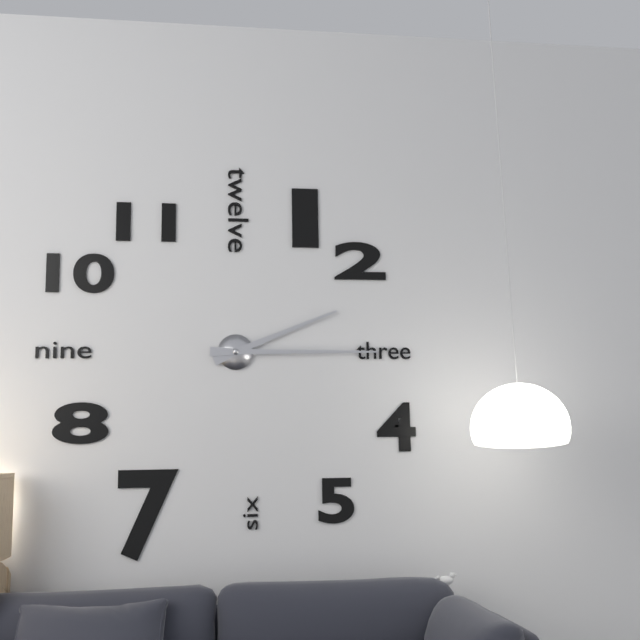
{"hour": 2, "minute": 15}
